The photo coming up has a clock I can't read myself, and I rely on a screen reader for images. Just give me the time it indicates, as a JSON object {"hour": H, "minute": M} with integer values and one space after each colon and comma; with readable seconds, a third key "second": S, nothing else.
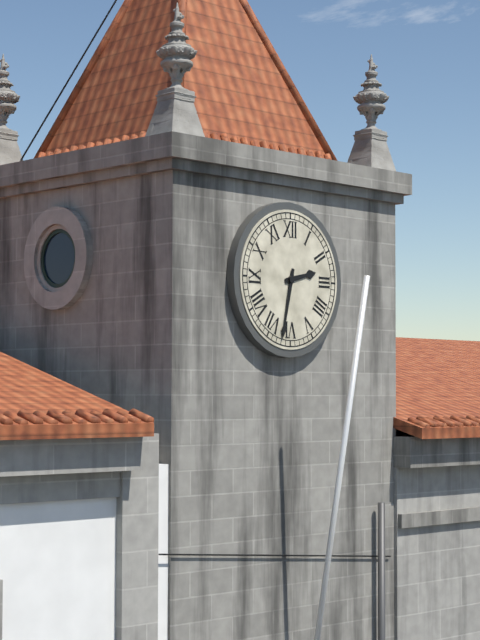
{"hour": 2, "minute": 32}
